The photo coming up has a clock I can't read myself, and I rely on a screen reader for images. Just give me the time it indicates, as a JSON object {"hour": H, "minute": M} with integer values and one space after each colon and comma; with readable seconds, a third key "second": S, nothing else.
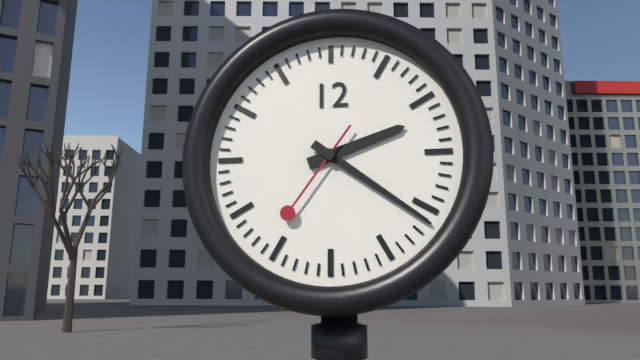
{"hour": 2, "minute": 21, "second": 36}
